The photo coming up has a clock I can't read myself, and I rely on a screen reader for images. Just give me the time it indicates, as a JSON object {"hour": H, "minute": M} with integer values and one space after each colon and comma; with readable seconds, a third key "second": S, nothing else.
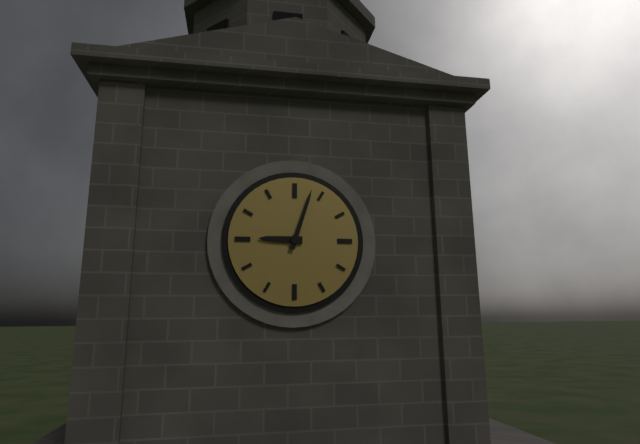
{"hour": 9, "minute": 3}
